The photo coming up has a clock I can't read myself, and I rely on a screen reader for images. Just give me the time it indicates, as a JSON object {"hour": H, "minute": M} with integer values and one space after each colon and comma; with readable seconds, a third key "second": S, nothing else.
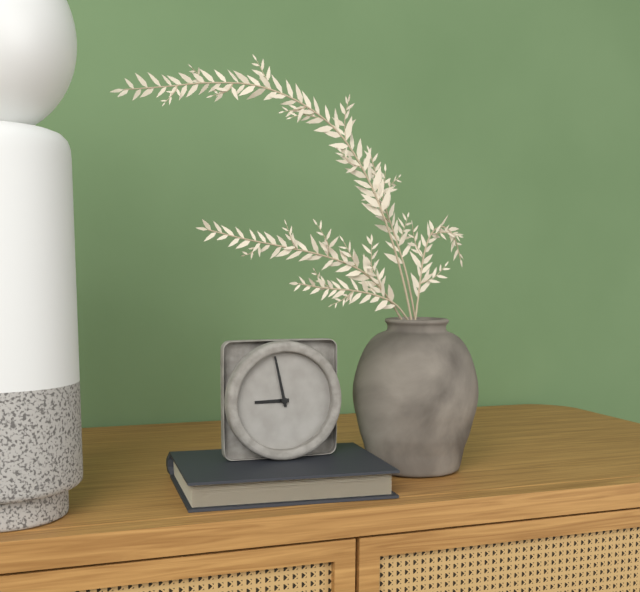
{"hour": 8, "minute": 58}
